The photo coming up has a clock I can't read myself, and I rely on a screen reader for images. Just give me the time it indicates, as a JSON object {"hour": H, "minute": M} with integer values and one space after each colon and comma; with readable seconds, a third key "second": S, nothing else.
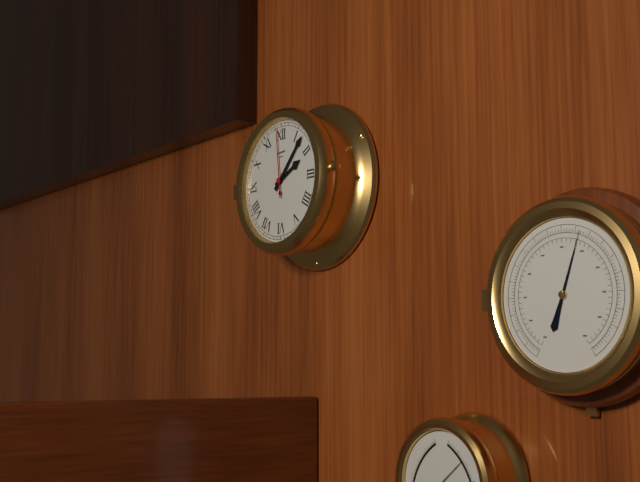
{"hour": 2, "minute": 7, "second": 59}
